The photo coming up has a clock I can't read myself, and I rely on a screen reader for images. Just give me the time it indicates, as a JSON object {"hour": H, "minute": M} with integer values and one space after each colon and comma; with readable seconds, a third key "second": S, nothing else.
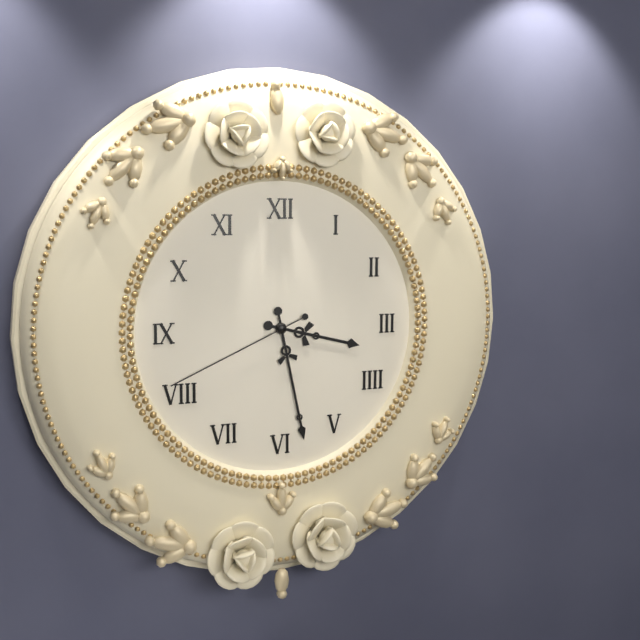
{"hour": 3, "minute": 28, "second": 41}
